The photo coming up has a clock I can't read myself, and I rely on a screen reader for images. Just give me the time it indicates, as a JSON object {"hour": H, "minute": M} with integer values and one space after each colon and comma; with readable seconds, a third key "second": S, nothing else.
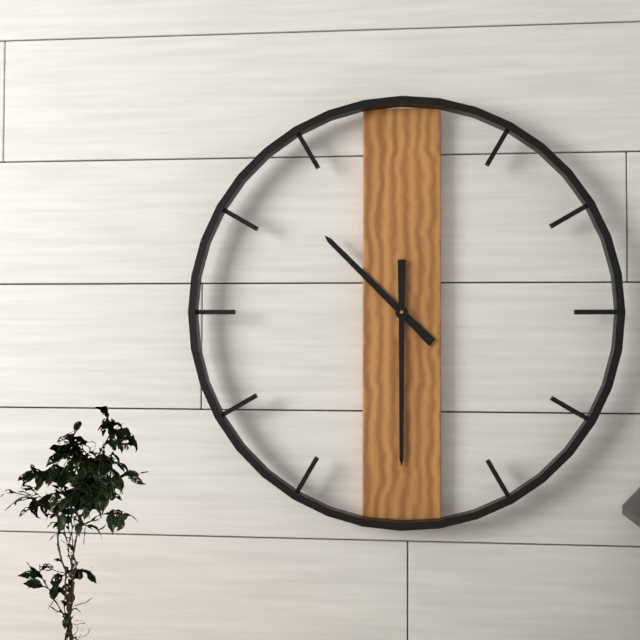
{"hour": 10, "minute": 30}
